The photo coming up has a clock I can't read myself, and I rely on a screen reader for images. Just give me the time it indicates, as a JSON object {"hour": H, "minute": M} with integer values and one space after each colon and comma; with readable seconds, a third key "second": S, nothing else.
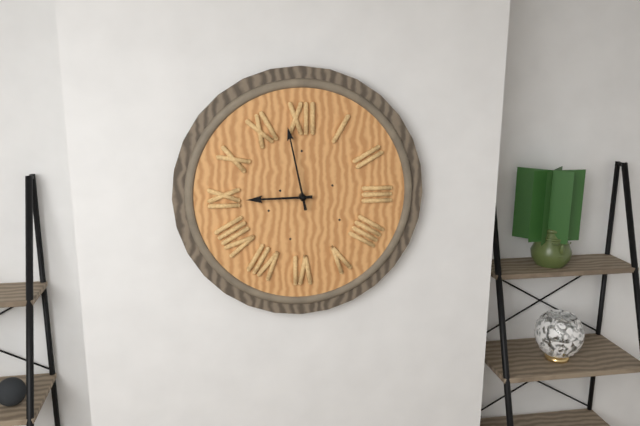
{"hour": 8, "minute": 58}
